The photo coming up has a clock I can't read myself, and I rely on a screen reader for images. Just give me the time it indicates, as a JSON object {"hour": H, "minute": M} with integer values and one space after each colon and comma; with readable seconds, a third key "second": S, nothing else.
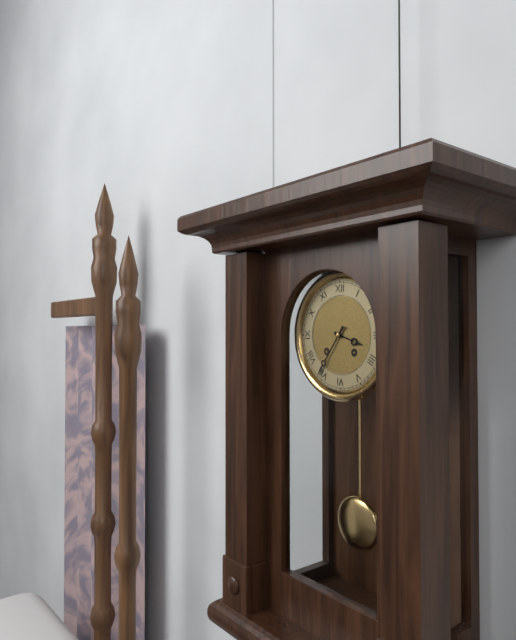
{"hour": 3, "minute": 36}
